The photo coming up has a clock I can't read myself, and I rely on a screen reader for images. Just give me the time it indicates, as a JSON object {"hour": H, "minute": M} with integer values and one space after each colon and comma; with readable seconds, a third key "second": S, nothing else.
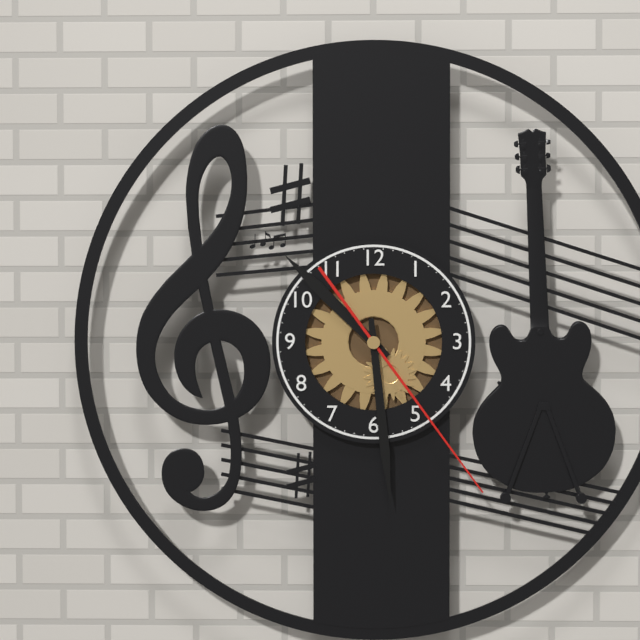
{"hour": 10, "minute": 29, "second": 24}
